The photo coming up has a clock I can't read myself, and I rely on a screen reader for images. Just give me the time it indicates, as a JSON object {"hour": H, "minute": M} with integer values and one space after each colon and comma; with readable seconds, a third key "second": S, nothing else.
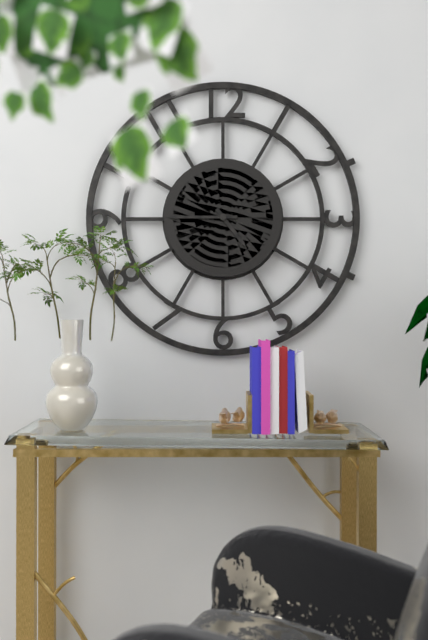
{"hour": 4, "minute": 45}
